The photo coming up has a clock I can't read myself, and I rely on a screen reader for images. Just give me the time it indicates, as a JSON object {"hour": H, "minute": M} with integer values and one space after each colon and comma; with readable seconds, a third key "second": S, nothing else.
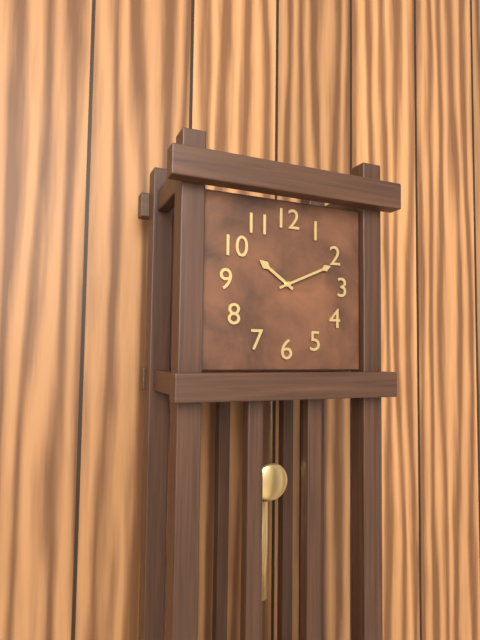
{"hour": 10, "minute": 11}
